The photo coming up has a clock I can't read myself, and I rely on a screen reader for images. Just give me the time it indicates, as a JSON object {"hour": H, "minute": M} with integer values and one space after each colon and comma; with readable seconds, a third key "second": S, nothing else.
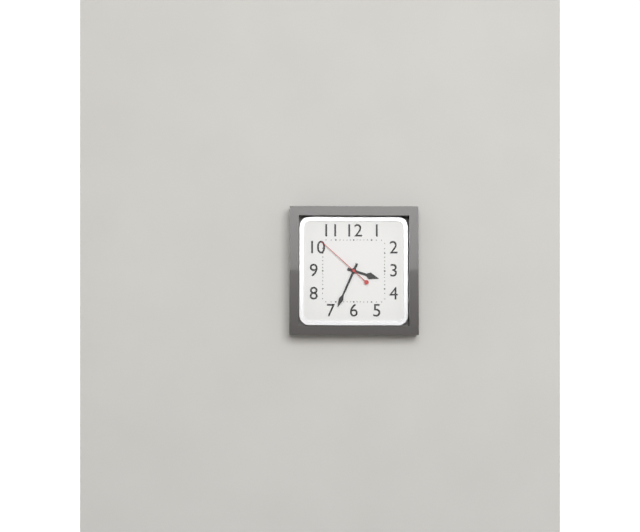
{"hour": 3, "minute": 34, "second": 52}
